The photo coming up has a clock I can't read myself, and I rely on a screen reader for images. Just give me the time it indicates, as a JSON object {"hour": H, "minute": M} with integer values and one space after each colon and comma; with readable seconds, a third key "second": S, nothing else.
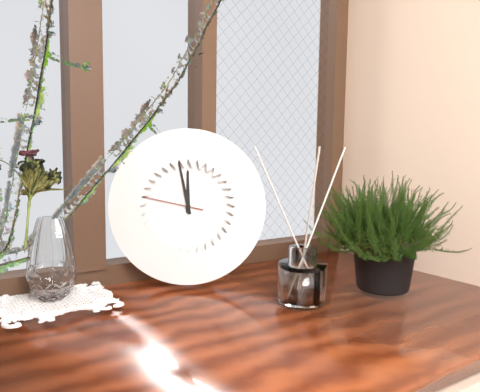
{"hour": 11, "minute": 58, "second": 47}
